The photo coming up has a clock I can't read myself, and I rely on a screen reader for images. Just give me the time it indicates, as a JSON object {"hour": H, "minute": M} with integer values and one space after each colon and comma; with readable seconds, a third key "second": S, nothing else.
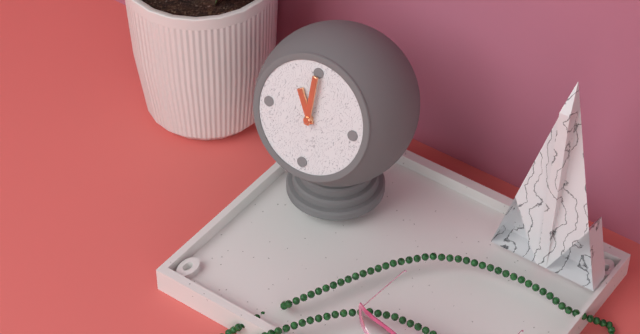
{"hour": 11, "minute": 0}
